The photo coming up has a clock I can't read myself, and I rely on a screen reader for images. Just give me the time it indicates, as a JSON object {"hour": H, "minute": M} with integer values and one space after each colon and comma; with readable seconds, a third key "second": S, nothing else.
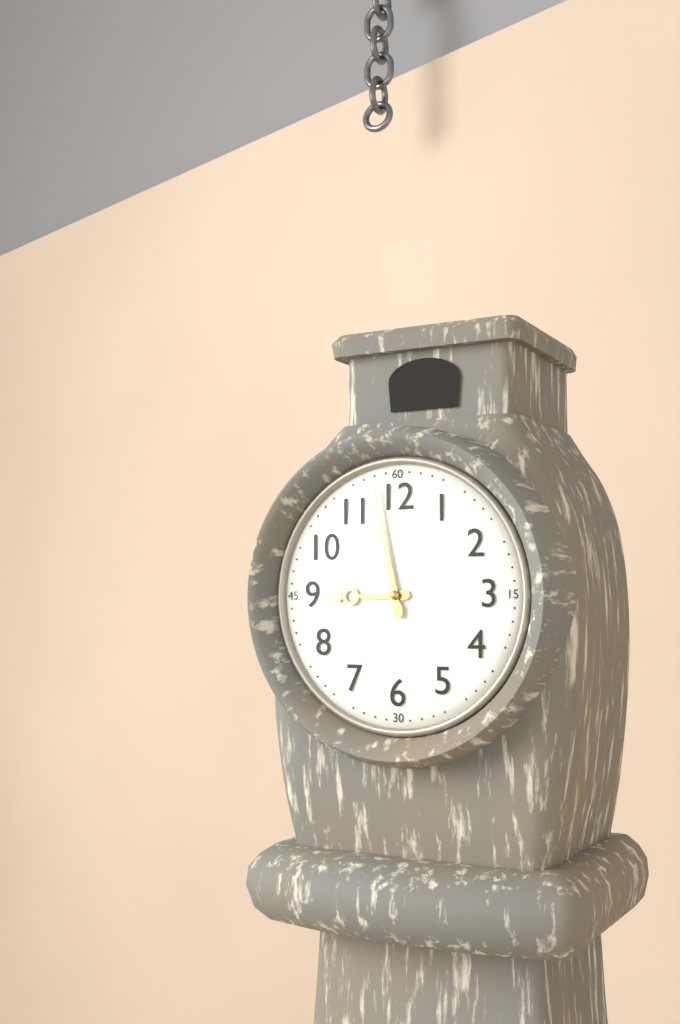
{"hour": 8, "minute": 58}
